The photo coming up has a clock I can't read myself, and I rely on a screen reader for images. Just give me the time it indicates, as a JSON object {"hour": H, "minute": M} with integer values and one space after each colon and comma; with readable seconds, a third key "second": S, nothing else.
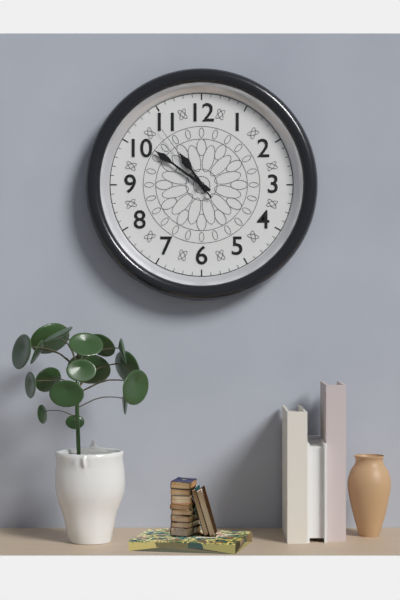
{"hour": 10, "minute": 51, "second": 54}
